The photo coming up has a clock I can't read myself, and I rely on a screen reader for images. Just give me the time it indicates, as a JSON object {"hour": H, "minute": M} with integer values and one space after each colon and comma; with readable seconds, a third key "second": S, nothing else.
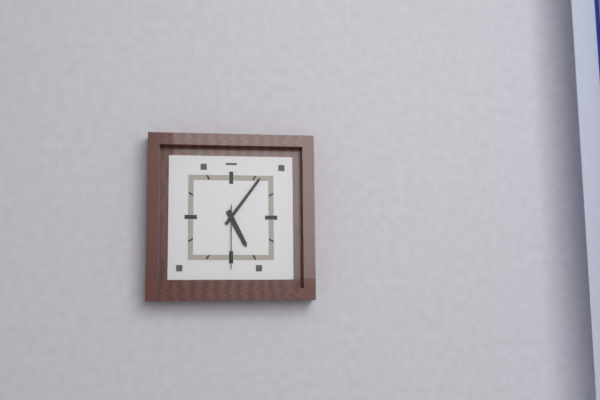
{"hour": 5, "minute": 6, "second": 30}
